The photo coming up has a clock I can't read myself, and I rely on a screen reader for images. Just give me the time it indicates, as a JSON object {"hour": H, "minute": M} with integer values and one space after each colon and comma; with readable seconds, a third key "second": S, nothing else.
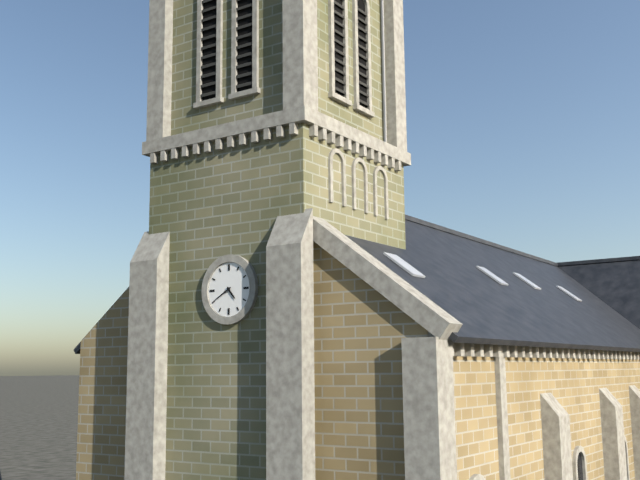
{"hour": 4, "minute": 40}
